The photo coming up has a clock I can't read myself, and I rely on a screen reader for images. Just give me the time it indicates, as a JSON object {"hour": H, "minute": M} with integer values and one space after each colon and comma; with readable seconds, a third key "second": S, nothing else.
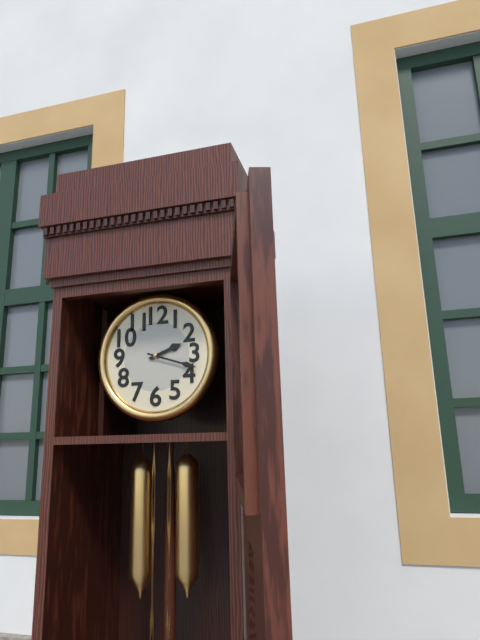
{"hour": 2, "minute": 18}
